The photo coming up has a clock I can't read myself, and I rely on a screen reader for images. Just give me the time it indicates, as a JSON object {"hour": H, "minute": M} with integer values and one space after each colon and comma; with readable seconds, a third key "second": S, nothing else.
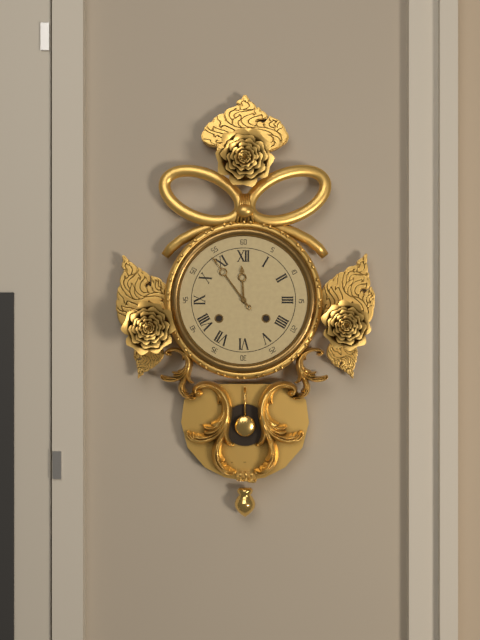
{"hour": 11, "minute": 54}
